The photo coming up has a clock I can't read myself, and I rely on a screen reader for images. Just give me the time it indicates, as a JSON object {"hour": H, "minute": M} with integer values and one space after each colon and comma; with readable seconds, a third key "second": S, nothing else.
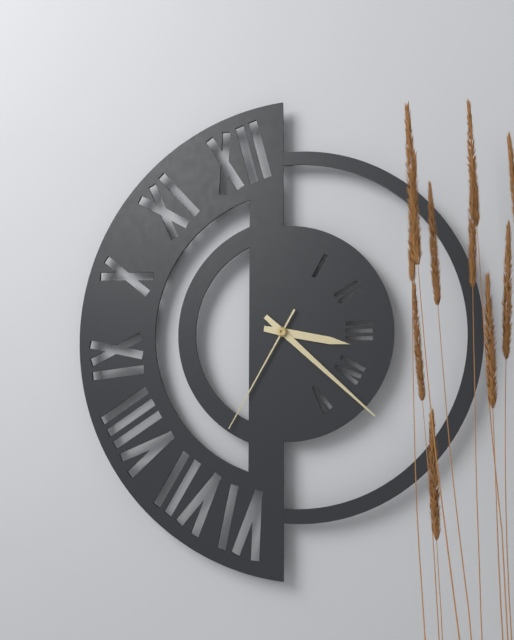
{"hour": 3, "minute": 22, "second": 35}
